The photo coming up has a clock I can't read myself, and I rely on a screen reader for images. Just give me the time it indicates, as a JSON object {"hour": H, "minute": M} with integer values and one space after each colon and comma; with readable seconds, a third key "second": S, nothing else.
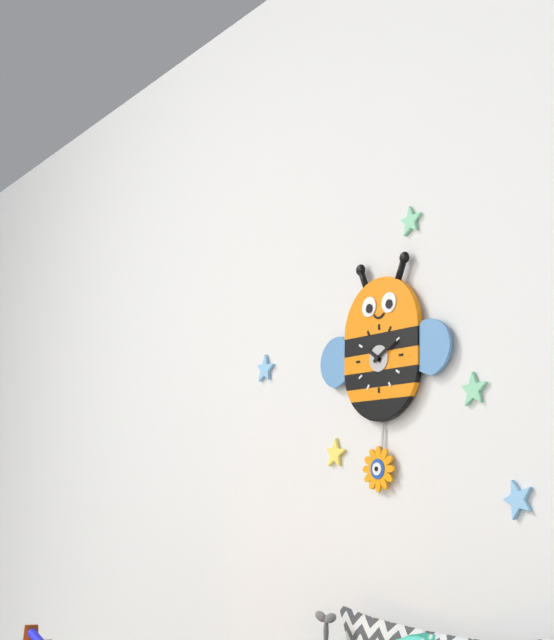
{"hour": 10, "minute": 10}
